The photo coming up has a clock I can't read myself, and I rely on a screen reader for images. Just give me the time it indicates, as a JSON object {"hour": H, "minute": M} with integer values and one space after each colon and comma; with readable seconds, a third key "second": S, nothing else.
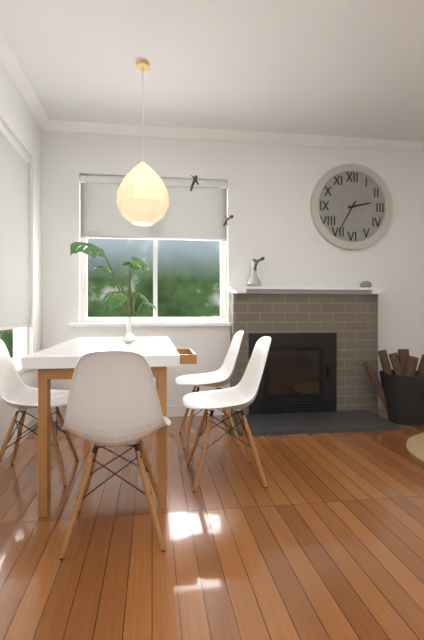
{"hour": 2, "minute": 35}
